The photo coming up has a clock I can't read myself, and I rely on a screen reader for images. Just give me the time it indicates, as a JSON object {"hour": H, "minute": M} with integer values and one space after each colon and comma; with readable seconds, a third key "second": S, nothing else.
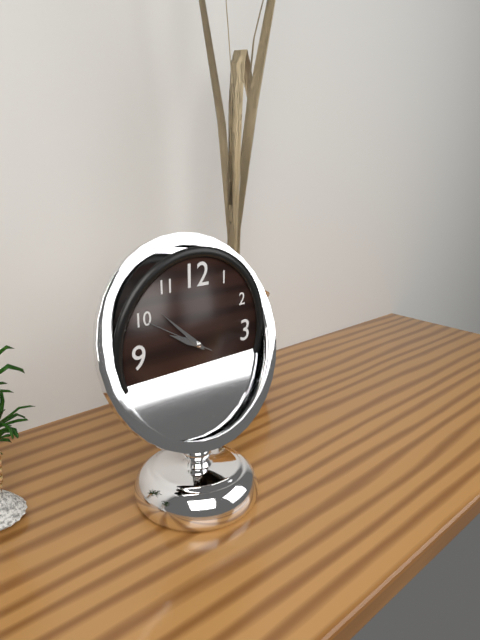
{"hour": 9, "minute": 52, "second": 50}
